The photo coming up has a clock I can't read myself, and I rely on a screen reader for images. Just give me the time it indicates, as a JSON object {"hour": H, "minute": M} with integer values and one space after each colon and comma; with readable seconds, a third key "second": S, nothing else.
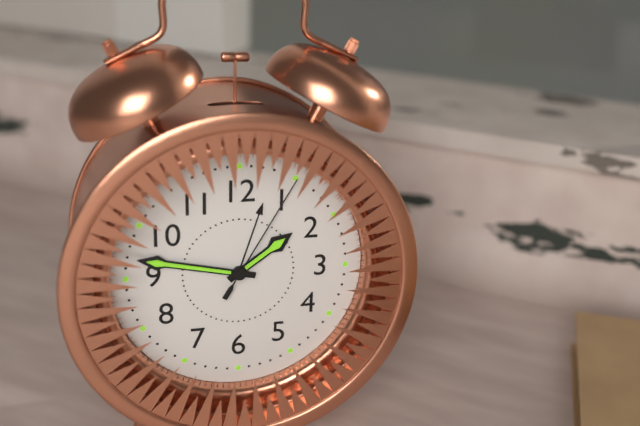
{"hour": 1, "minute": 47, "second": 5}
